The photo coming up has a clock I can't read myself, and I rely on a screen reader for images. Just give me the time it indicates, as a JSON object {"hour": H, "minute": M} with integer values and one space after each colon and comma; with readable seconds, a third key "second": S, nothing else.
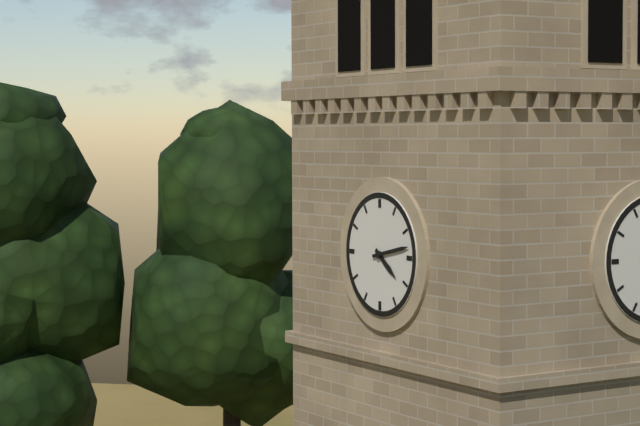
{"hour": 4, "minute": 13}
